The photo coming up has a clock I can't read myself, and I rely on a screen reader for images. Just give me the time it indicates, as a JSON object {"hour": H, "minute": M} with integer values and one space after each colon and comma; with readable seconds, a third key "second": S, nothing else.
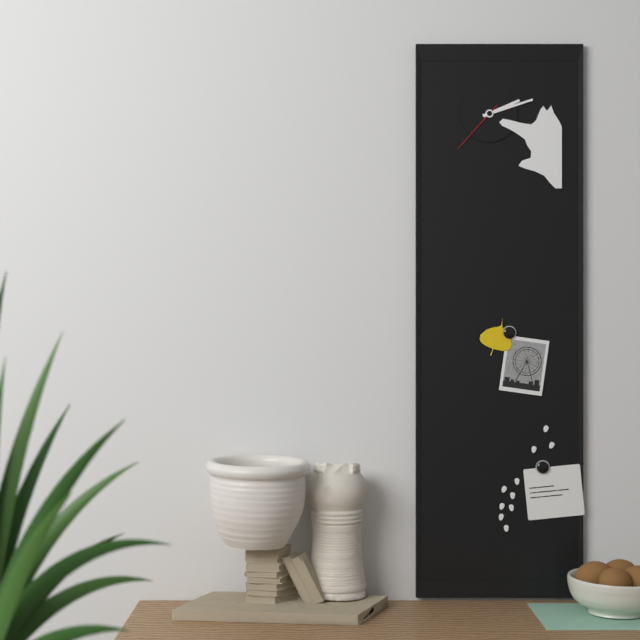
{"hour": 2, "minute": 12, "second": 37}
